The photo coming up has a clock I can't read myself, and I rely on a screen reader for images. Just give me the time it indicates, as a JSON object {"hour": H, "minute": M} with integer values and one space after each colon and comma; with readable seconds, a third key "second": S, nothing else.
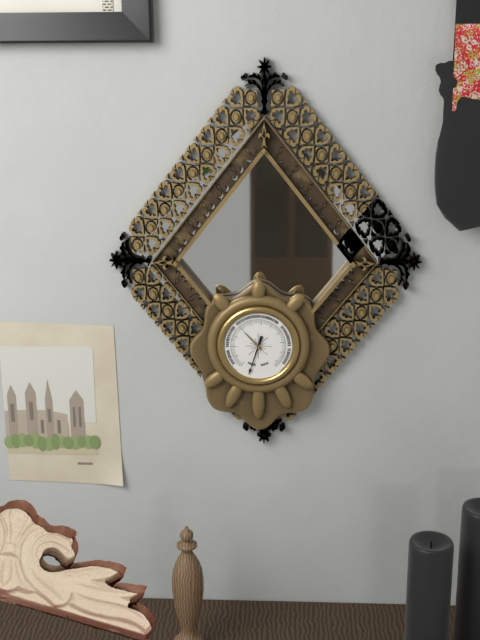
{"hour": 10, "minute": 33}
